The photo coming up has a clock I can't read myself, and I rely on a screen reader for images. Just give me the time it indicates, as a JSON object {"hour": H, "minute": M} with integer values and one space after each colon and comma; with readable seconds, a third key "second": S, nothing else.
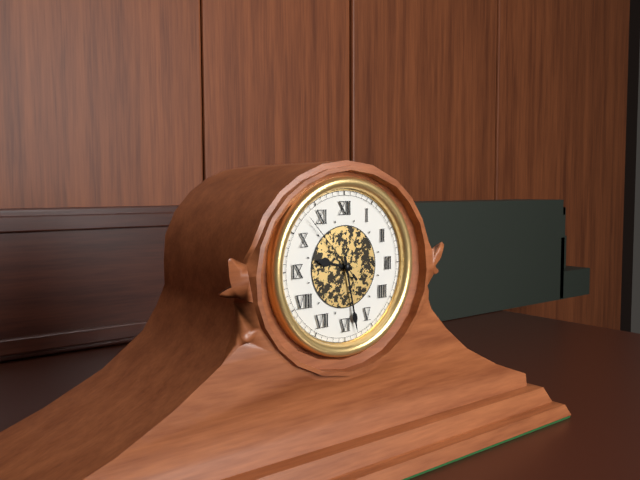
{"hour": 9, "minute": 28, "second": 53}
